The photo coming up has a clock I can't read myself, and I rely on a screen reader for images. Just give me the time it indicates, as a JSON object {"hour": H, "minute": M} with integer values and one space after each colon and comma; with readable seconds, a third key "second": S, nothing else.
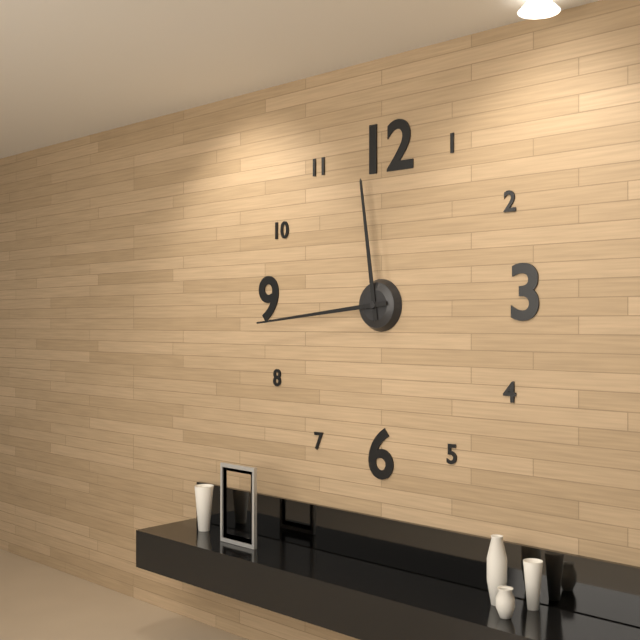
{"hour": 11, "minute": 44}
